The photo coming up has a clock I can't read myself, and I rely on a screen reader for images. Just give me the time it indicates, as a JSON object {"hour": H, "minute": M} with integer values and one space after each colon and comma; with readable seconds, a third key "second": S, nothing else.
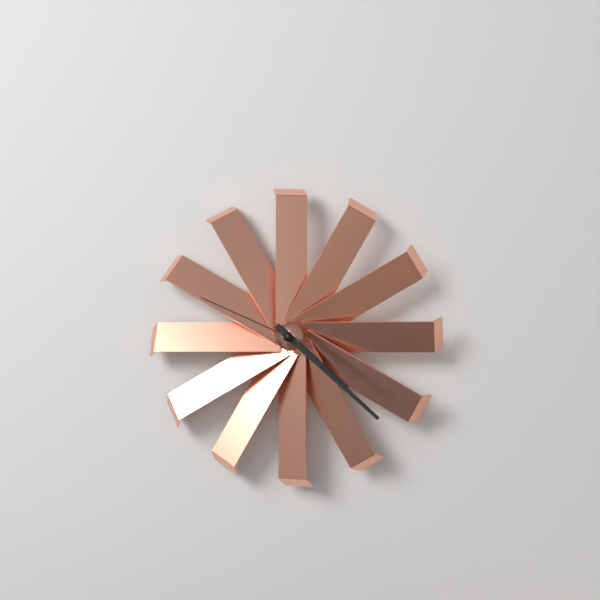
{"hour": 4, "minute": 22, "second": 49}
